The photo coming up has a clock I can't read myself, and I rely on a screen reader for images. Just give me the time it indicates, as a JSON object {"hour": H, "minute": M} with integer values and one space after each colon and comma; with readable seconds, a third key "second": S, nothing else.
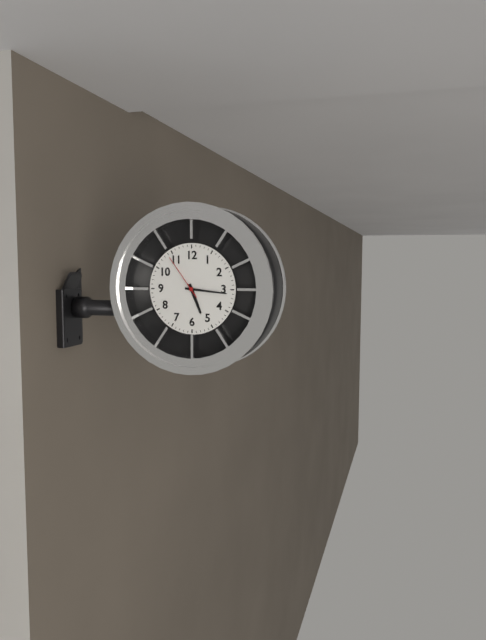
{"hour": 5, "minute": 16, "second": 54}
